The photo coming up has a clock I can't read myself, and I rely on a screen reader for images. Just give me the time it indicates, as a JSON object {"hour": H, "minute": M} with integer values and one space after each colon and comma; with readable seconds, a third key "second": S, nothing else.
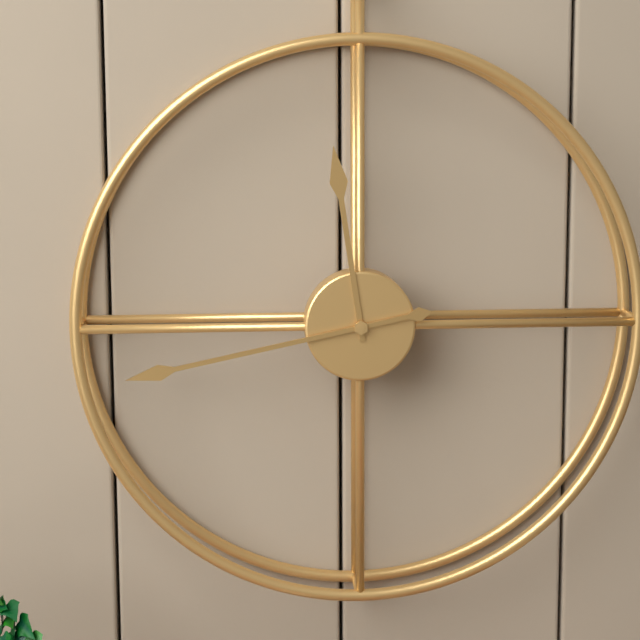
{"hour": 11, "minute": 43}
